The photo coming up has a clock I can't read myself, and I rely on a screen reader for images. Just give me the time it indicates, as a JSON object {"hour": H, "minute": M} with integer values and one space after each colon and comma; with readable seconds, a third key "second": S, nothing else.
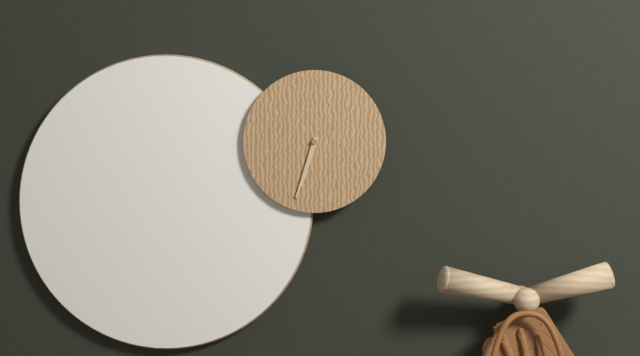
{"hour": 6, "minute": 33}
